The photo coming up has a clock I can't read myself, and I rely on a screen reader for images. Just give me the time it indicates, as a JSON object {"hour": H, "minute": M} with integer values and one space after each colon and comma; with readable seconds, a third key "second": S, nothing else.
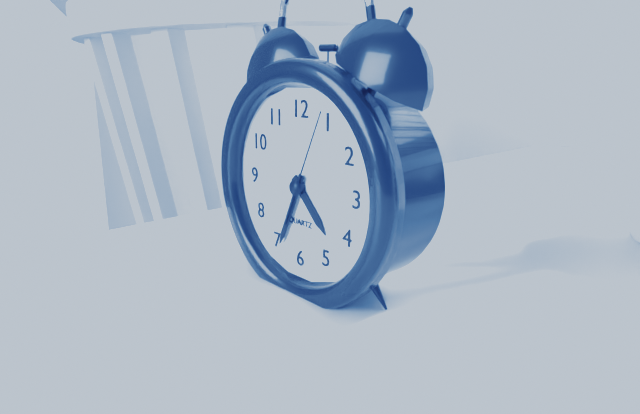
{"hour": 4, "minute": 34, "second": 4}
